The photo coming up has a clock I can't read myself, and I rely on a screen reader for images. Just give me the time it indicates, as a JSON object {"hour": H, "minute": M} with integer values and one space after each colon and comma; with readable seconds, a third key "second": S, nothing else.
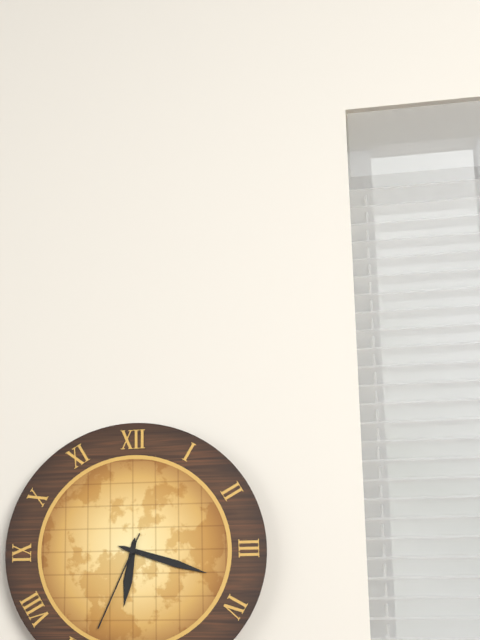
{"hour": 6, "minute": 18, "second": 34}
